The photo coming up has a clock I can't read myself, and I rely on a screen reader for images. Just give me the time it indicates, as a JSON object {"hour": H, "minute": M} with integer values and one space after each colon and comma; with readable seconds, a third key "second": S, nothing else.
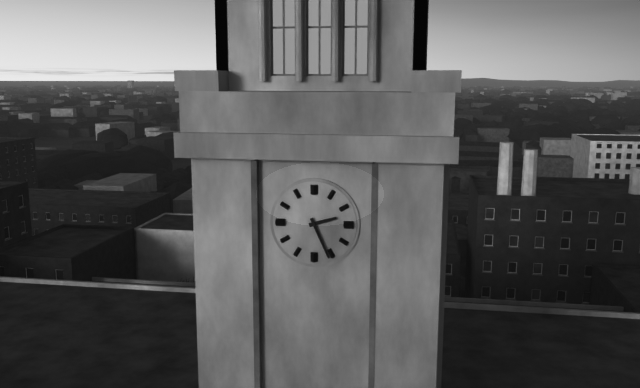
{"hour": 2, "minute": 26}
